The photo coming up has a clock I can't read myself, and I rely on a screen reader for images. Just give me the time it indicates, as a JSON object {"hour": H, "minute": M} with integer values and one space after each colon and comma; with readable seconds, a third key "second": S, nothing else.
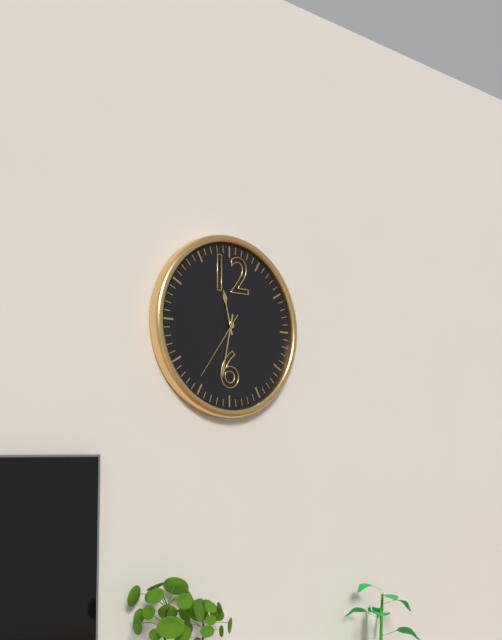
{"hour": 11, "minute": 32, "second": 36}
